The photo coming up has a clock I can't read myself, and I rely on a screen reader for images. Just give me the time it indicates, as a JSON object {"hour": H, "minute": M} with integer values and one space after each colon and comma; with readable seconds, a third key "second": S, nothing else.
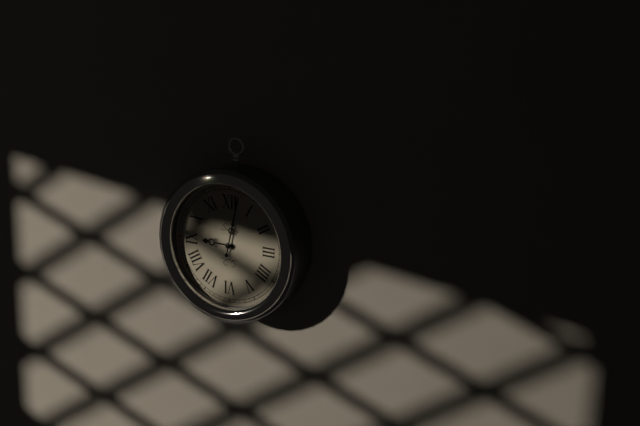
{"hour": 9, "minute": 2}
